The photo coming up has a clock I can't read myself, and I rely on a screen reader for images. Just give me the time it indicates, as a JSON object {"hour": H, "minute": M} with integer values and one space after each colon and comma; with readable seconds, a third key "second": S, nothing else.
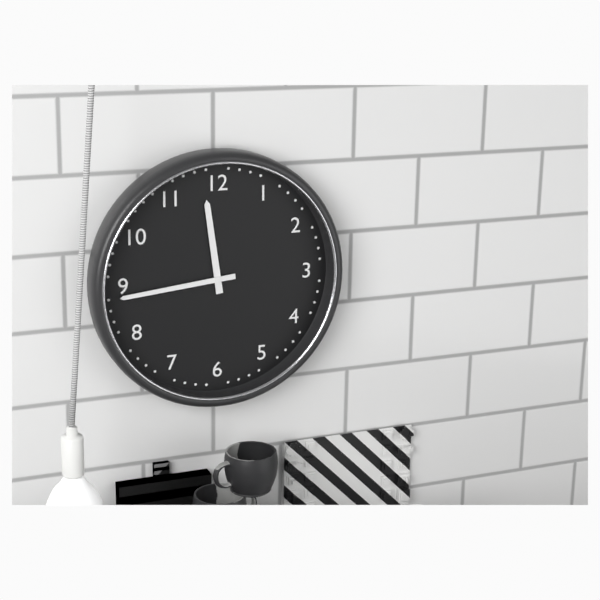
{"hour": 11, "minute": 44}
